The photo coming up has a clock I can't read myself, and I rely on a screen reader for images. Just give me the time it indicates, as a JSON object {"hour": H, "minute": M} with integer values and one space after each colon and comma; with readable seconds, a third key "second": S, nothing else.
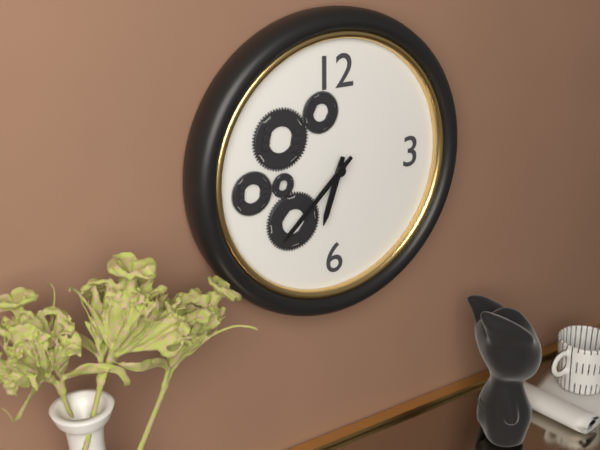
{"hour": 6, "minute": 38}
